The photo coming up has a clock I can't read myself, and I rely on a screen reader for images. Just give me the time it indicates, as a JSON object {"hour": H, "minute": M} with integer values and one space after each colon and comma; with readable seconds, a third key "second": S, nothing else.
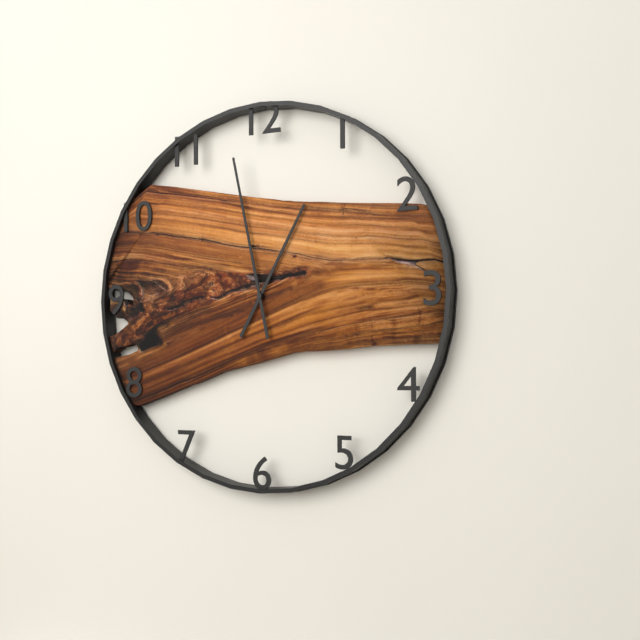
{"hour": 12, "minute": 58}
